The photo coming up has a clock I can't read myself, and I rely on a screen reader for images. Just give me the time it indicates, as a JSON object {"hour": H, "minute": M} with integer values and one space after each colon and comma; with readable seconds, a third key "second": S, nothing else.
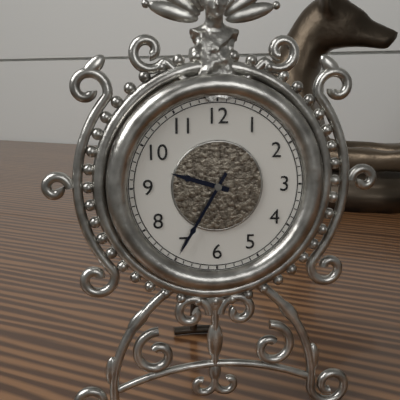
{"hour": 9, "minute": 35}
